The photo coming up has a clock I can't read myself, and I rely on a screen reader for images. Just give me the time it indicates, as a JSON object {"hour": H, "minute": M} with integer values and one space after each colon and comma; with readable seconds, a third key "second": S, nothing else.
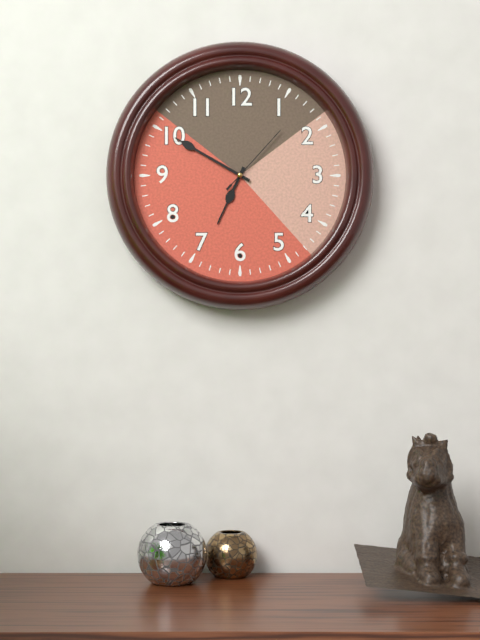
{"hour": 6, "minute": 50, "second": 7}
